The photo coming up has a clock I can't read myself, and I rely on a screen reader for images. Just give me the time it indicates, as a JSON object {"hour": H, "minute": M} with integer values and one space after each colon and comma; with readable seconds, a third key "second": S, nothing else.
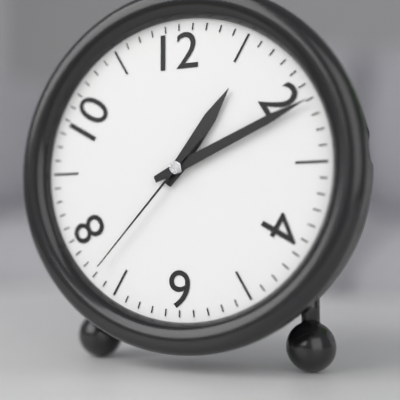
{"hour": 1, "minute": 11, "second": 37}
